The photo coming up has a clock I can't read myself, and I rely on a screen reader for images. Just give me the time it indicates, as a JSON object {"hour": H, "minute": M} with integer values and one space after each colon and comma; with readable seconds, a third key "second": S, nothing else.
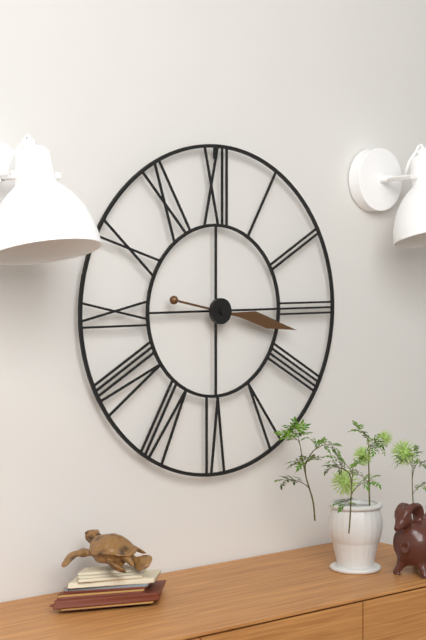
{"hour": 3, "minute": 17}
